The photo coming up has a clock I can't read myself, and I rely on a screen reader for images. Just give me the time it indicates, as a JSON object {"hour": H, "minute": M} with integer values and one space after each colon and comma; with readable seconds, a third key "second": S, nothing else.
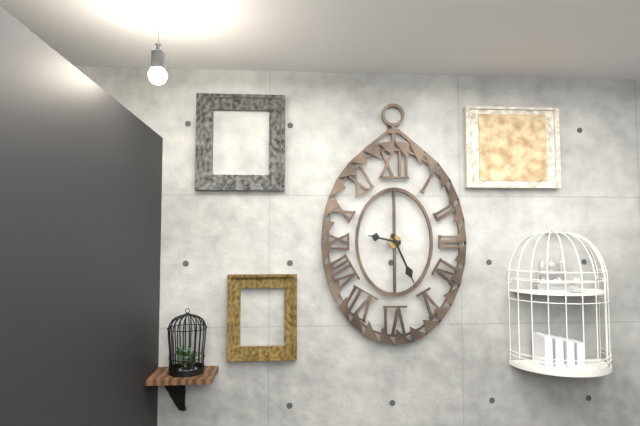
{"hour": 9, "minute": 26}
